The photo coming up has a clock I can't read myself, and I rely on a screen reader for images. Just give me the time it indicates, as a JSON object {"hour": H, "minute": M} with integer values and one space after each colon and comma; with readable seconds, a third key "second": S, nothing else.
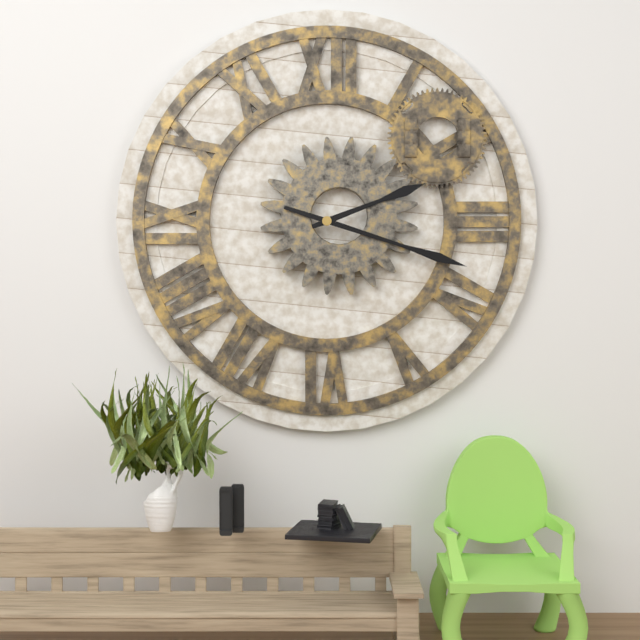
{"hour": 2, "minute": 18}
